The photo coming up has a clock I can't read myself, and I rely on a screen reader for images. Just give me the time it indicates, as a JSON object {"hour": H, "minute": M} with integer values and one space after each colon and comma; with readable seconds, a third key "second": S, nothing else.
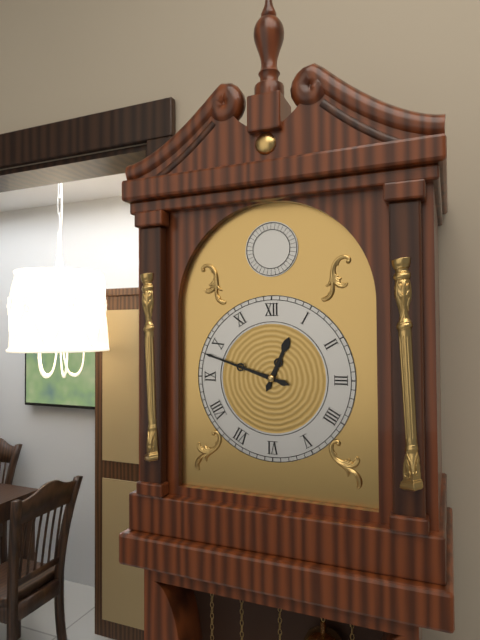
{"hour": 12, "minute": 48}
